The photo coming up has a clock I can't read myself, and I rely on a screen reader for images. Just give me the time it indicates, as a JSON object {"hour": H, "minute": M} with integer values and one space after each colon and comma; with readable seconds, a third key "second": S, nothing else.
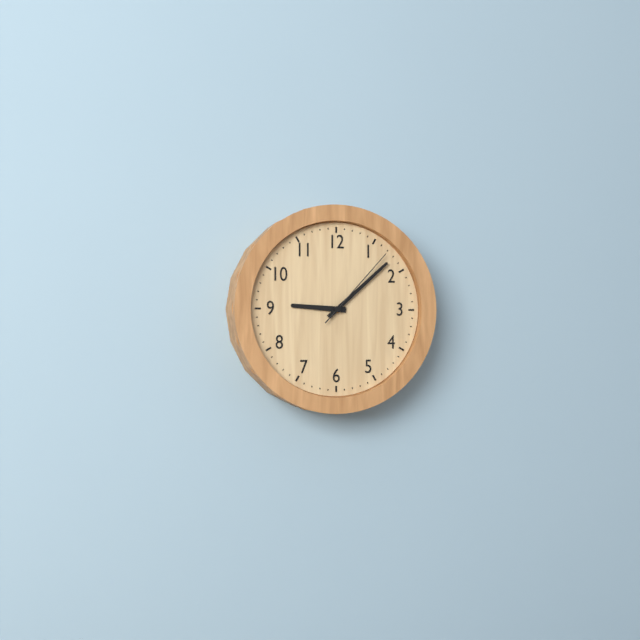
{"hour": 9, "minute": 8, "second": 7}
